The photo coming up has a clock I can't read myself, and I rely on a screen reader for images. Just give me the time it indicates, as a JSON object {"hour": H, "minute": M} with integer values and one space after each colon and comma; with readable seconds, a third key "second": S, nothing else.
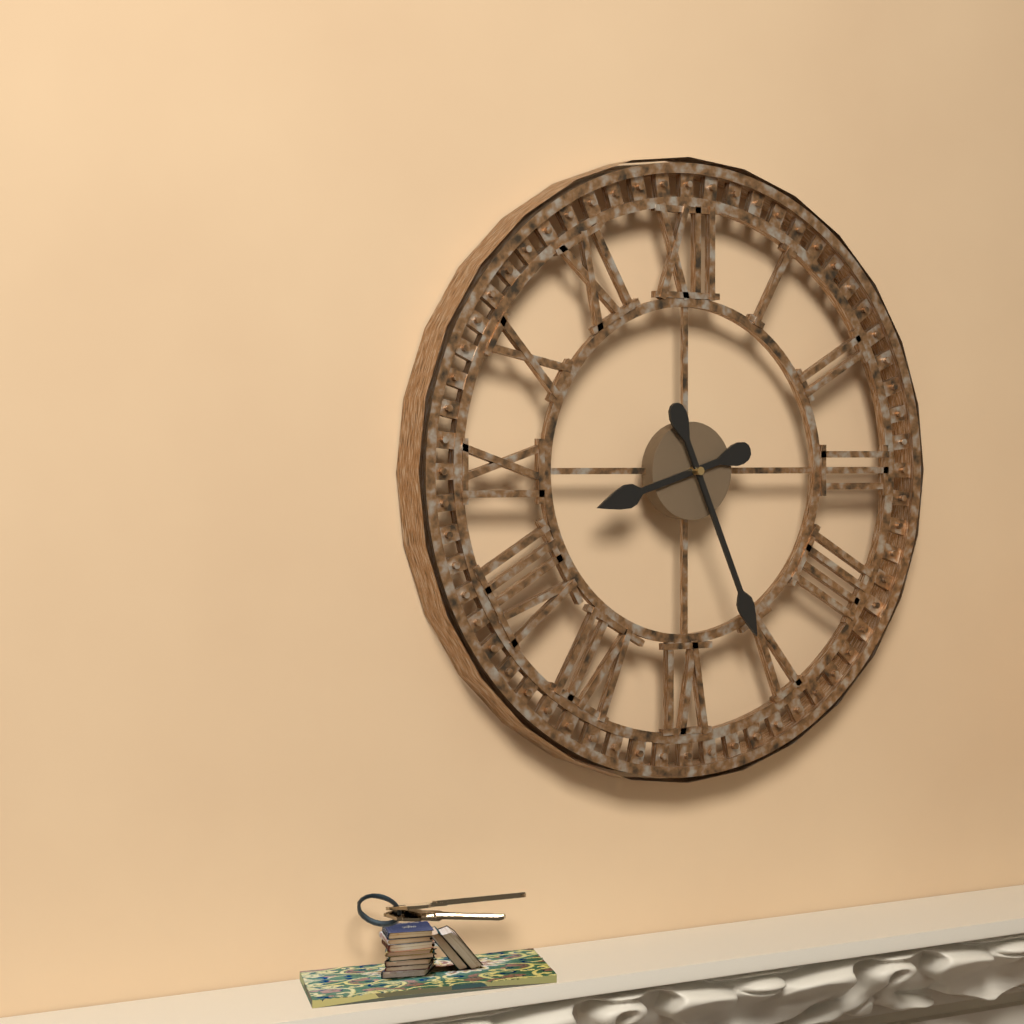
{"hour": 8, "minute": 26}
